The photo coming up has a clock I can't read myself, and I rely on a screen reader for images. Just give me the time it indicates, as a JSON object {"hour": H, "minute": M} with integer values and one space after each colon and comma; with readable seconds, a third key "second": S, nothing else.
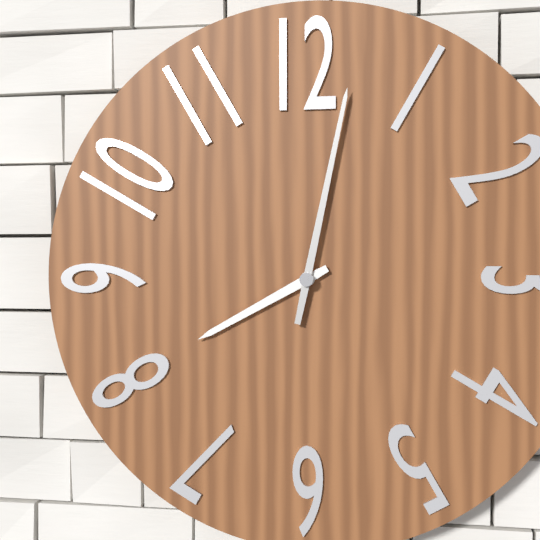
{"hour": 8, "minute": 2}
